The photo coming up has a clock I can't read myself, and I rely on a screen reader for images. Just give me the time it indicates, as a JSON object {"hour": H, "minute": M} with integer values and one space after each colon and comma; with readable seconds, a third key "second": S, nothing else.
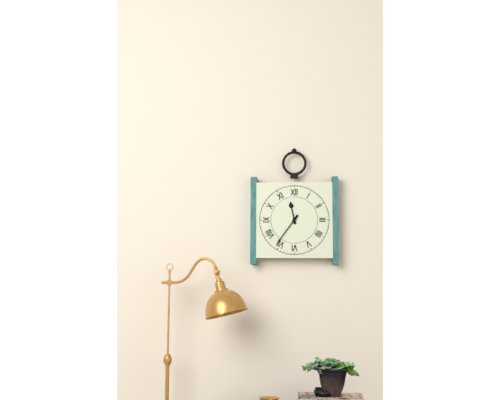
{"hour": 11, "minute": 36}
